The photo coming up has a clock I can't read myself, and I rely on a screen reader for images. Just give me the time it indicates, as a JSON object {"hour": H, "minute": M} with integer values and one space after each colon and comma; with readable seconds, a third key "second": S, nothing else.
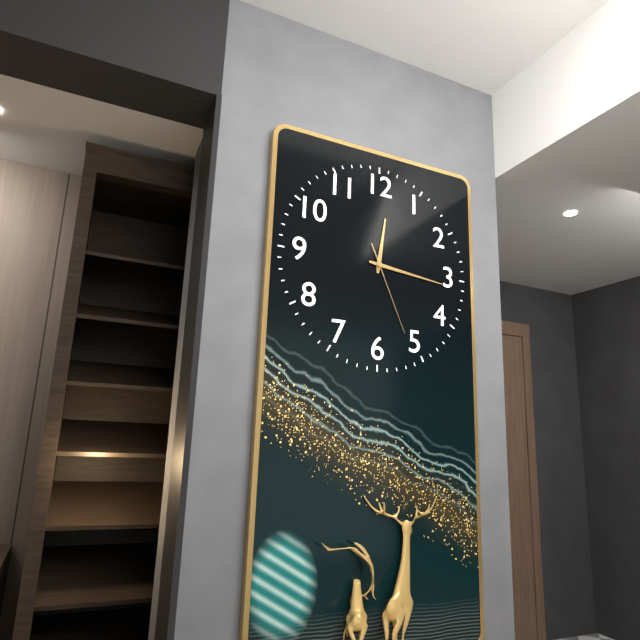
{"hour": 12, "minute": 16, "second": 26}
